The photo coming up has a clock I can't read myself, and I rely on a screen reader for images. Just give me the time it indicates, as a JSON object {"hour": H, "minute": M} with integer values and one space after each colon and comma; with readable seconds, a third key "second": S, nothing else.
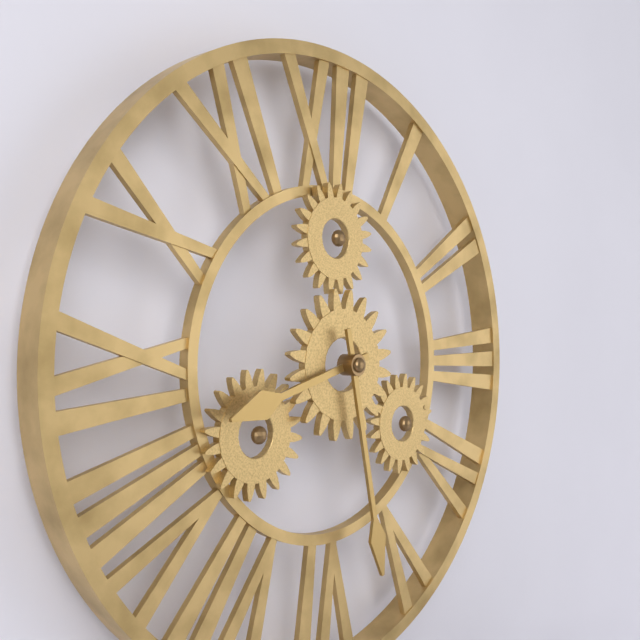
{"hour": 8, "minute": 28}
